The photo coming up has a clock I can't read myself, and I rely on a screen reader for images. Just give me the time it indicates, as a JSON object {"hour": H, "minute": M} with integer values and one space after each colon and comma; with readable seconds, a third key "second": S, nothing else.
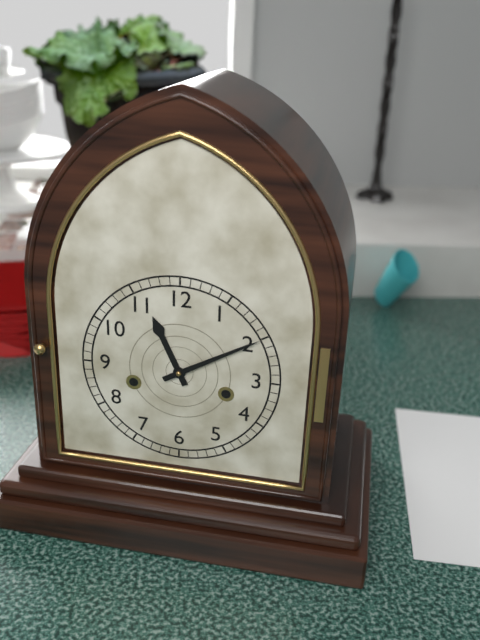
{"hour": 11, "minute": 10}
